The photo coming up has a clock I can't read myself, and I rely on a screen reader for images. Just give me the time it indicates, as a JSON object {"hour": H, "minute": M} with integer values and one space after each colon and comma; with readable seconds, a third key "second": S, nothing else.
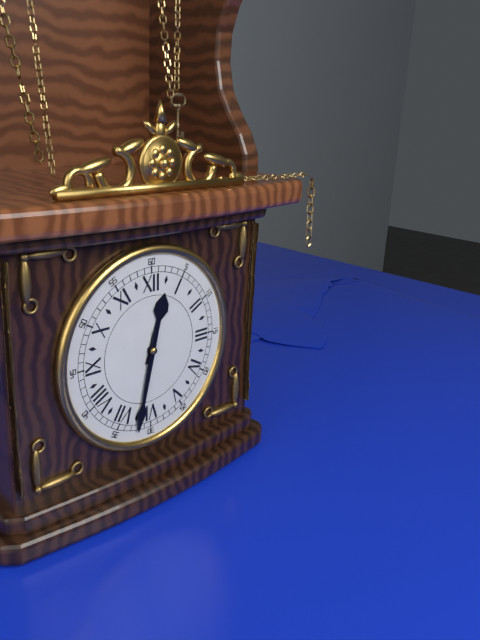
{"hour": 12, "minute": 32}
